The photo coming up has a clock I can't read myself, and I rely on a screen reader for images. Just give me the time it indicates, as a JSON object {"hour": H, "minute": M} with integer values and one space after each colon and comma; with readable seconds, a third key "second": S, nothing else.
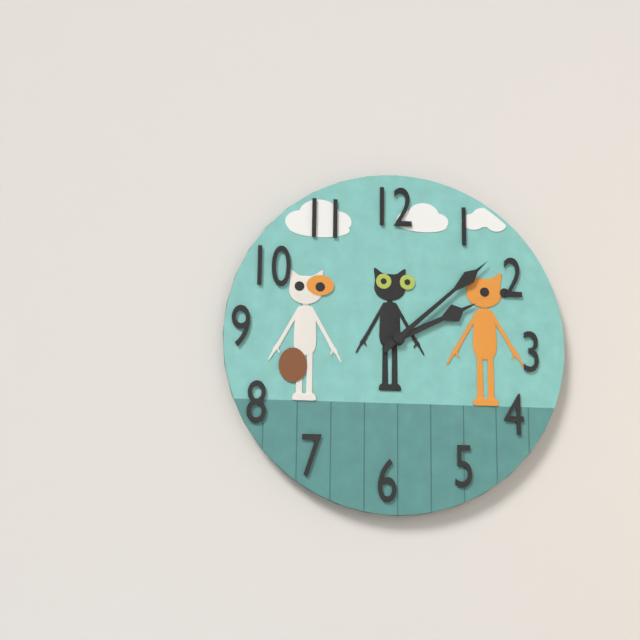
{"hour": 2, "minute": 8}
